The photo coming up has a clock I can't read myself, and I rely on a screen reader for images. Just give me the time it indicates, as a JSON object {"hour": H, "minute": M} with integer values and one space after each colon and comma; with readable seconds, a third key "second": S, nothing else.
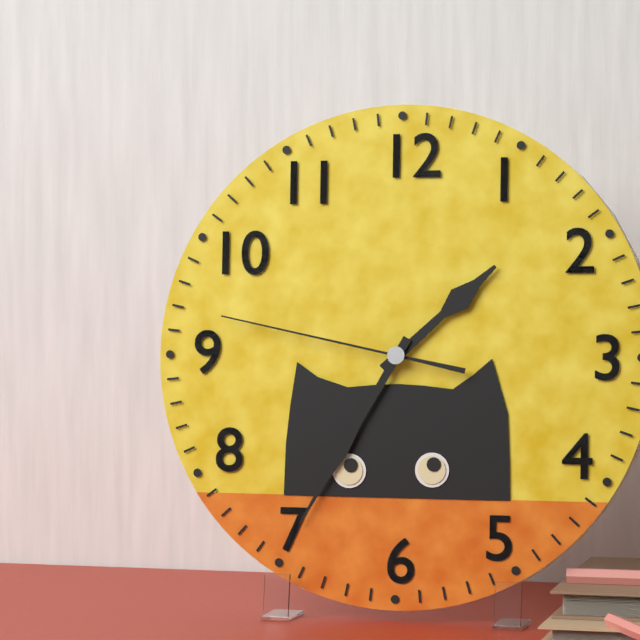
{"hour": 1, "minute": 35, "second": 47}
